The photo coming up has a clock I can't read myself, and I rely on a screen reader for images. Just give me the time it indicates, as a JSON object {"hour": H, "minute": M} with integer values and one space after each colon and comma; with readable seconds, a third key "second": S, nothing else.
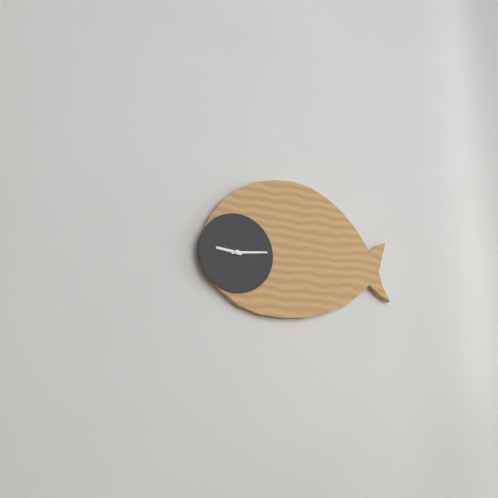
{"hour": 9, "minute": 14}
